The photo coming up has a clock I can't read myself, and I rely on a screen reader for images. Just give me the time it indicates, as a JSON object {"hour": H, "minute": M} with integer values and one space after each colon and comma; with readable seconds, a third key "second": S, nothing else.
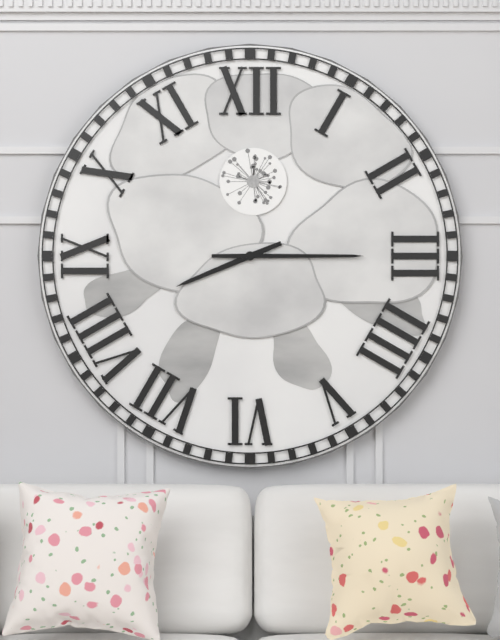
{"hour": 8, "minute": 15}
